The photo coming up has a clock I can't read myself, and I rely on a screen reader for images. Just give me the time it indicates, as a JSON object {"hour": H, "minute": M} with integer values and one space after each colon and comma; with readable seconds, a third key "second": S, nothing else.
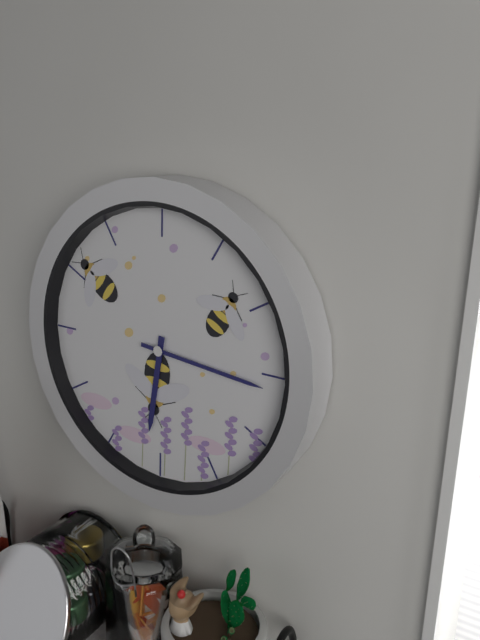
{"hour": 6, "minute": 16}
